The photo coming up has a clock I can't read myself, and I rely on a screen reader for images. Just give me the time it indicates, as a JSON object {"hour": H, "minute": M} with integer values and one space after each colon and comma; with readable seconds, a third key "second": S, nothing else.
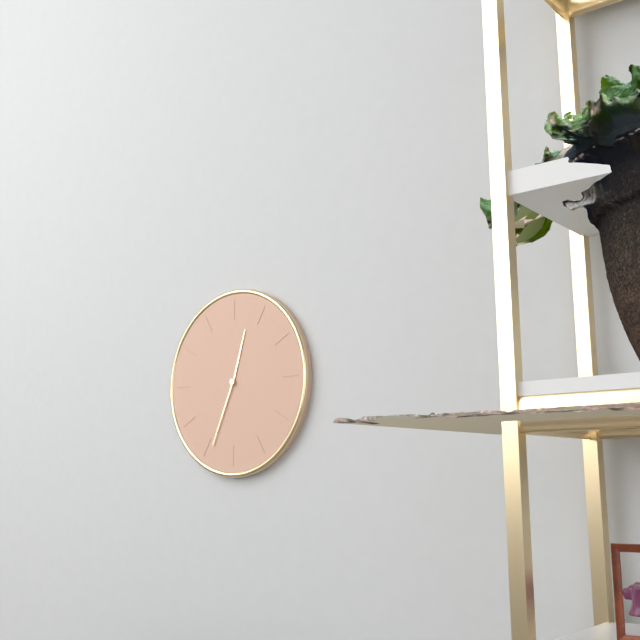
{"hour": 12, "minute": 34}
